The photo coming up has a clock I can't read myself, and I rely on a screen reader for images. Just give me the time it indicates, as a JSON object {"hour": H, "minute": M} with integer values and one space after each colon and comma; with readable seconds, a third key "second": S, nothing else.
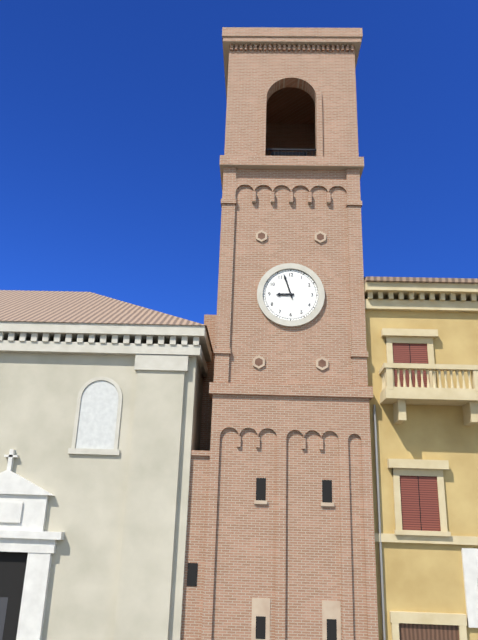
{"hour": 8, "minute": 57}
